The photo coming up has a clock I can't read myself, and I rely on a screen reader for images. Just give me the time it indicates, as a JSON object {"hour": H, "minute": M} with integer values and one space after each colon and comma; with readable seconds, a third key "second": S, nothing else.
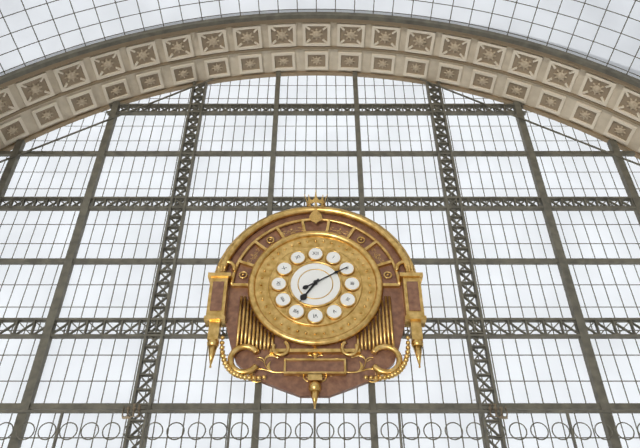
{"hour": 7, "minute": 10}
